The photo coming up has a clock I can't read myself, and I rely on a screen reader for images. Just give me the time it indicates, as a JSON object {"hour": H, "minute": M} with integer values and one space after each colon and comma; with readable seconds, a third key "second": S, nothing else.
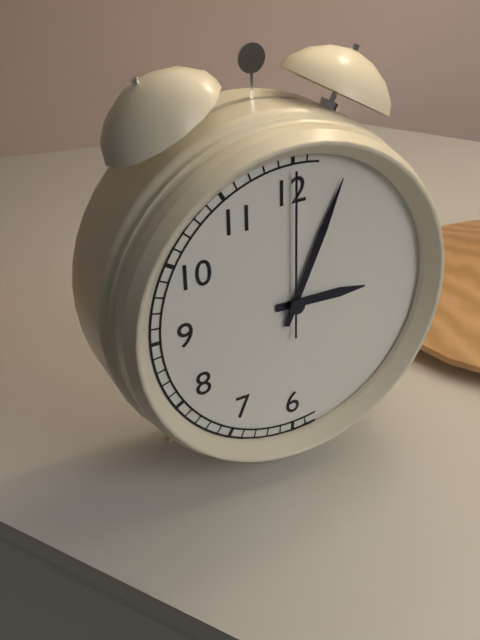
{"hour": 3, "minute": 4, "second": 0}
